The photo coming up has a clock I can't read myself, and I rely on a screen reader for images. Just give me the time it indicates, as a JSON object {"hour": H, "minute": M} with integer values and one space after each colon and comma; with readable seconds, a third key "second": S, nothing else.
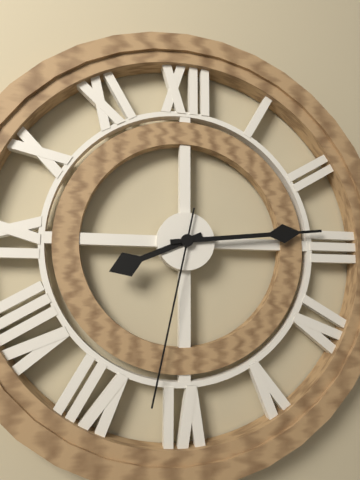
{"hour": 8, "minute": 14, "second": 32}
